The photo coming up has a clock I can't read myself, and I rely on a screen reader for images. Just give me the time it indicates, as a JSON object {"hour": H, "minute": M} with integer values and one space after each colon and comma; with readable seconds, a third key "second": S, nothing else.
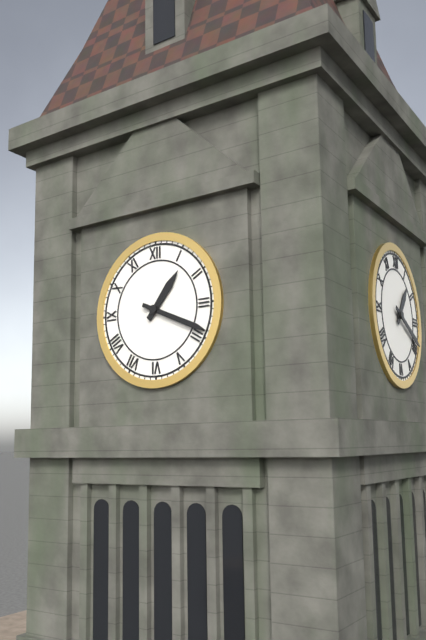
{"hour": 1, "minute": 19}
